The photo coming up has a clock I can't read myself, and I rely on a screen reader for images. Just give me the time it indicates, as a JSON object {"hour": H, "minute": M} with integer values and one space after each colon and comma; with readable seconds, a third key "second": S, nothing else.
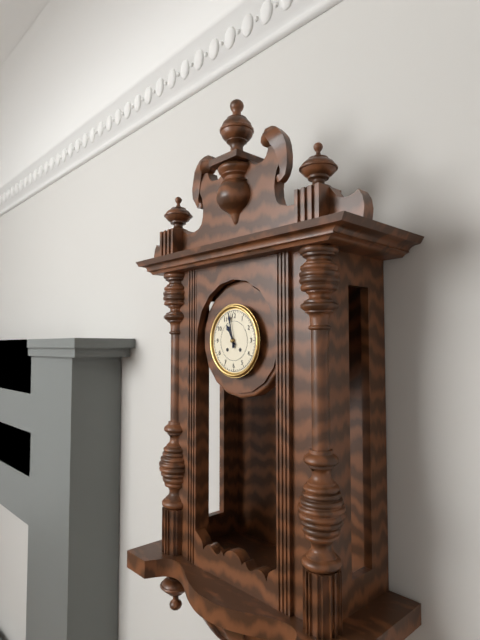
{"hour": 10, "minute": 58}
